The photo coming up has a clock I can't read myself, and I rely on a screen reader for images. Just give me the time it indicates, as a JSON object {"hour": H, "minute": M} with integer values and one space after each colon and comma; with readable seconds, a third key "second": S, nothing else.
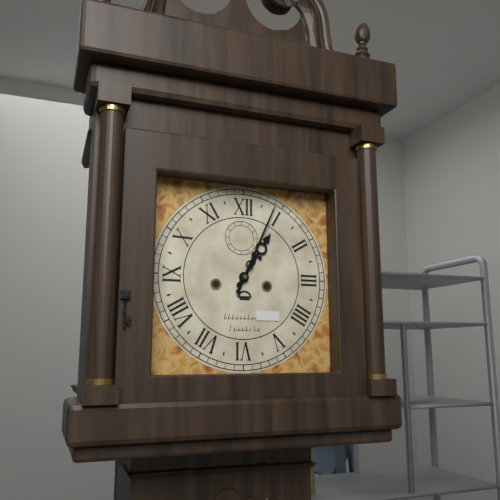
{"hour": 1, "minute": 4}
